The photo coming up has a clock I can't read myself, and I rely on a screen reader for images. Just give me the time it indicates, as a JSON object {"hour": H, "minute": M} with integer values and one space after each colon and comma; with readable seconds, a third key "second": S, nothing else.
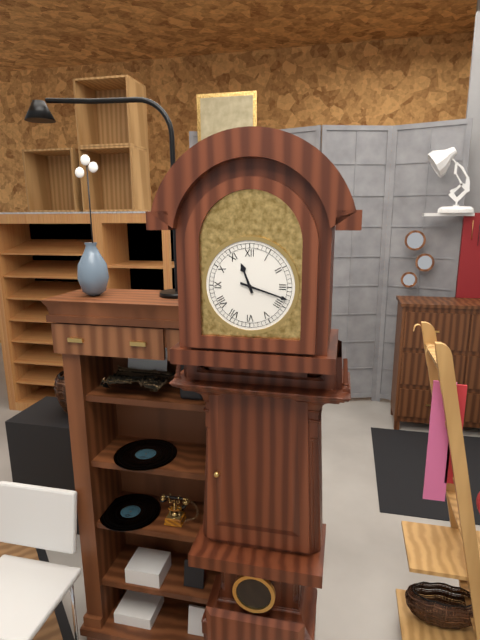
{"hour": 11, "minute": 18}
